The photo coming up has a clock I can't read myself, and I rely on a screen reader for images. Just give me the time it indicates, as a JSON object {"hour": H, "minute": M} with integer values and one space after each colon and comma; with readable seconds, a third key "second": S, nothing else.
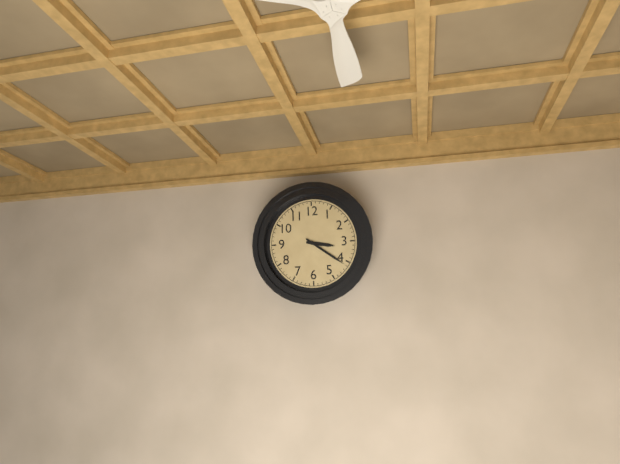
{"hour": 3, "minute": 21}
